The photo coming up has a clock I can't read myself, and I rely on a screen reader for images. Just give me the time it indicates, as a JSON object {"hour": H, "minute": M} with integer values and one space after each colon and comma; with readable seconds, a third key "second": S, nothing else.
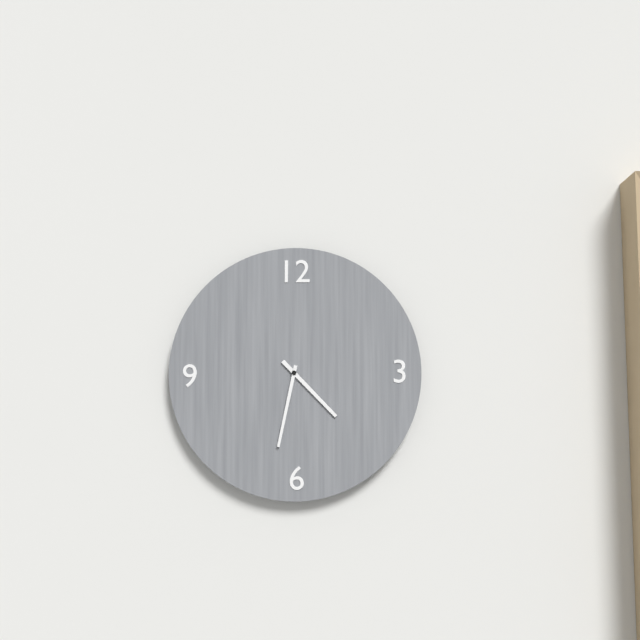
{"hour": 4, "minute": 32}
